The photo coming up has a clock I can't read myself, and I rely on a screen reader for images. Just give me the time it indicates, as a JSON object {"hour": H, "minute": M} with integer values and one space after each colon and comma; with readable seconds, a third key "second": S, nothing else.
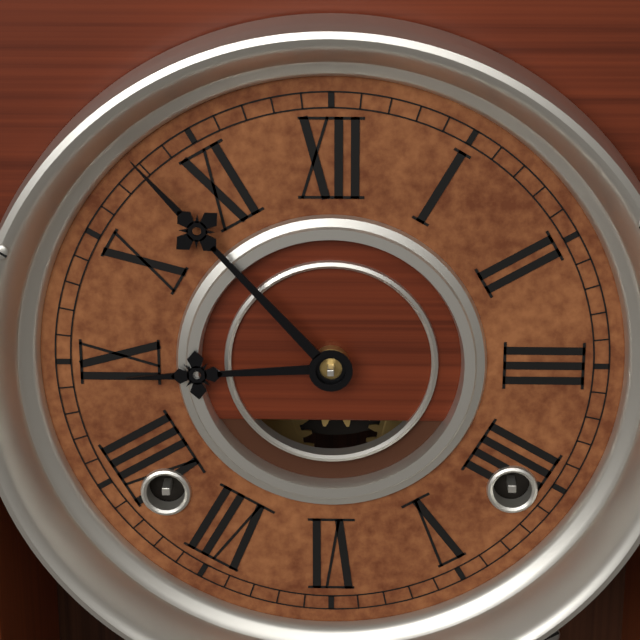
{"hour": 8, "minute": 53}
